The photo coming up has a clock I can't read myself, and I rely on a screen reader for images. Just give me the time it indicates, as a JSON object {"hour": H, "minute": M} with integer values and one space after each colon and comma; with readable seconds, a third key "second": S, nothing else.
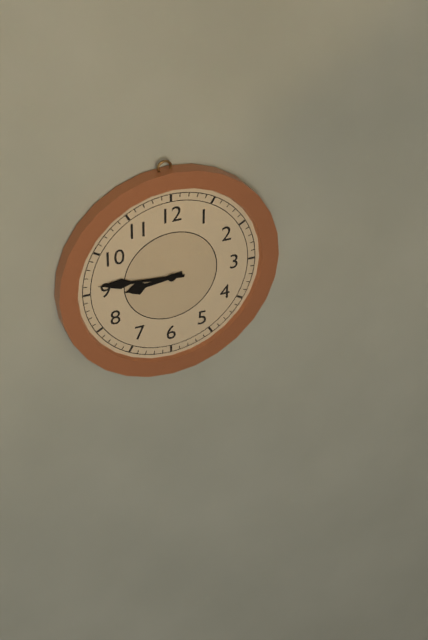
{"hour": 8, "minute": 46}
